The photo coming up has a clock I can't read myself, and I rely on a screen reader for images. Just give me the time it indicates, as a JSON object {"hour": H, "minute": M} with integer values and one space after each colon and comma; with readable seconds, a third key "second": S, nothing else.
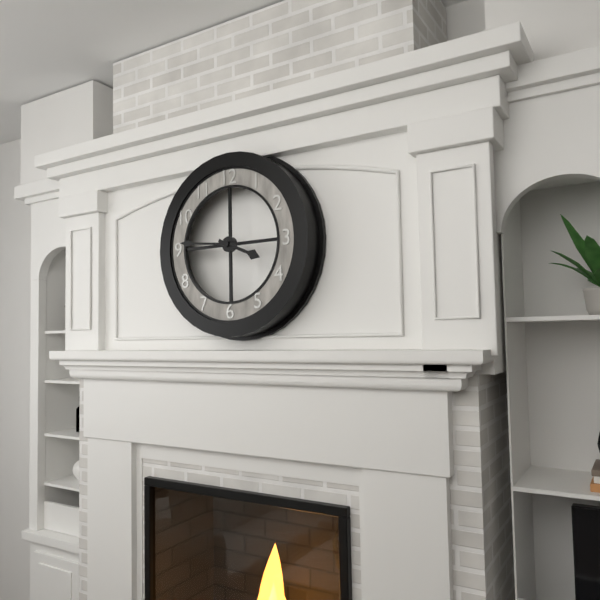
{"hour": 3, "minute": 46}
